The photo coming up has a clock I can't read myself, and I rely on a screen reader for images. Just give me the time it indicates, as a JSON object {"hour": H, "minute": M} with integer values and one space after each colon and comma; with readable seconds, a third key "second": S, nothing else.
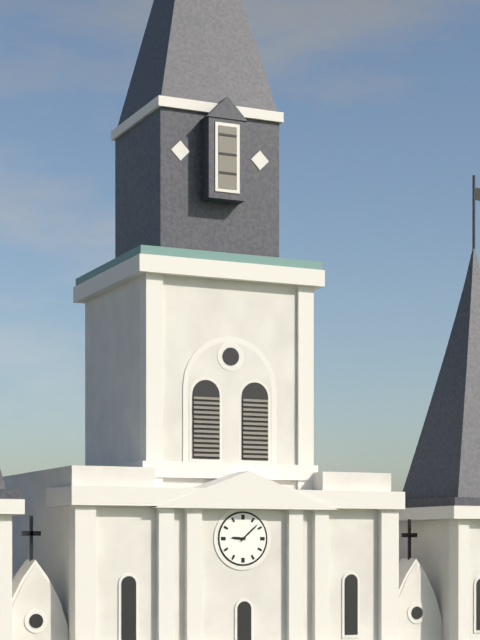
{"hour": 9, "minute": 8}
